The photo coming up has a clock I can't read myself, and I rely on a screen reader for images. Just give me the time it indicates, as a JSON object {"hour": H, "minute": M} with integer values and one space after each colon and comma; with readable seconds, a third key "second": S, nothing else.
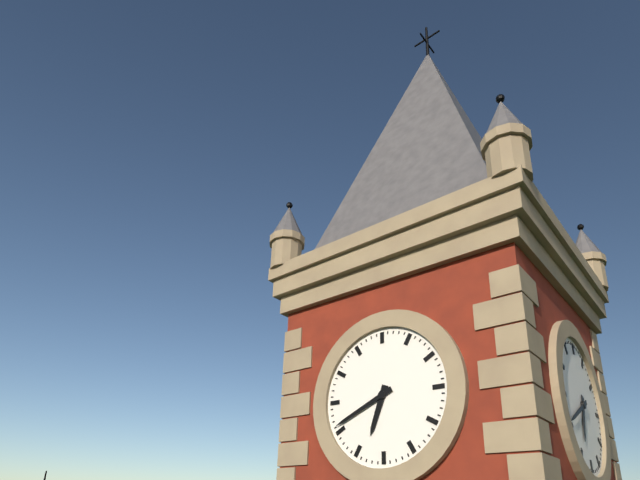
{"hour": 6, "minute": 41}
